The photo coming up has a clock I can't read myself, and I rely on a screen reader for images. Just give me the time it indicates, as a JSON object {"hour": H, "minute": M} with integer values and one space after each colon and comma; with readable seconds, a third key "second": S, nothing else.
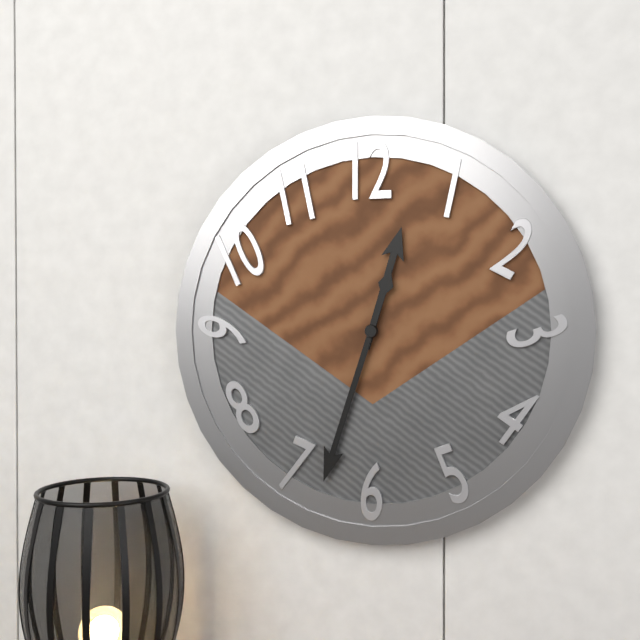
{"hour": 12, "minute": 33}
